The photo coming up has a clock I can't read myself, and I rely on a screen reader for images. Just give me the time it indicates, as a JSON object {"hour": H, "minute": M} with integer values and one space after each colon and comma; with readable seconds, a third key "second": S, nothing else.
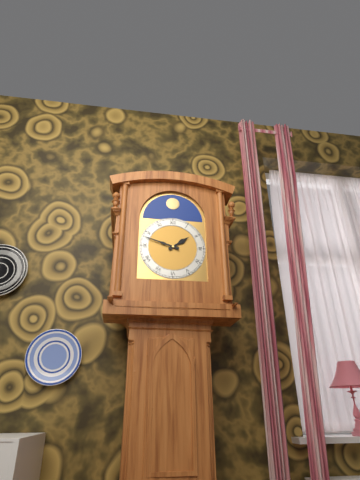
{"hour": 1, "minute": 48}
